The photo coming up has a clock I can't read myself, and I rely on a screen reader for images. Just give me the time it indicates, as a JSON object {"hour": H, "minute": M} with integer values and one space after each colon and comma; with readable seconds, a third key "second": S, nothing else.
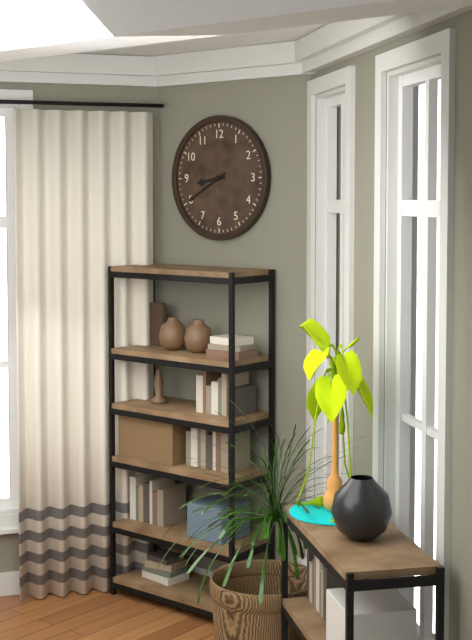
{"hour": 8, "minute": 40}
